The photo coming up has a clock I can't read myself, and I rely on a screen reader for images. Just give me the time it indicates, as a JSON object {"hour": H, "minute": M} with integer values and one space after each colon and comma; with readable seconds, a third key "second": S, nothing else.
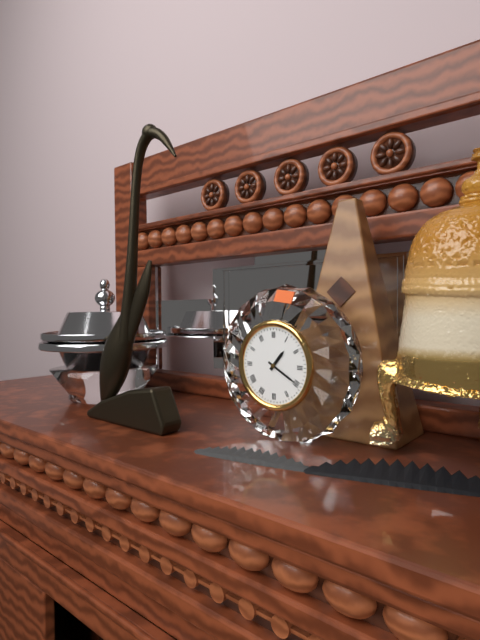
{"hour": 1, "minute": 20}
